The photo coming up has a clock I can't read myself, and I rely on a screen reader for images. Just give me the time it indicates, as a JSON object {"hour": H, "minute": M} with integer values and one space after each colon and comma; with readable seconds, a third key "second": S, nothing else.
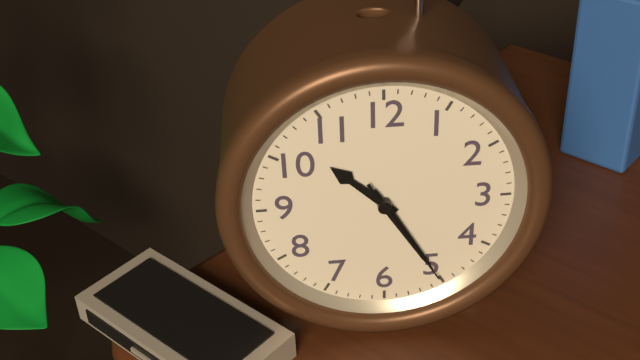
{"hour": 10, "minute": 25, "second": 25}
